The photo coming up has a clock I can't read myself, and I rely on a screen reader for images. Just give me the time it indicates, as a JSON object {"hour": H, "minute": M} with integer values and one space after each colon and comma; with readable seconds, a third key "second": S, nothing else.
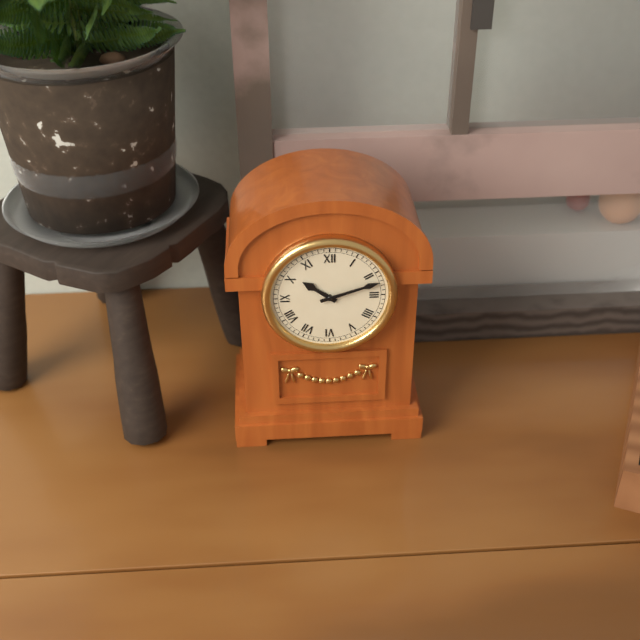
{"hour": 10, "minute": 12}
